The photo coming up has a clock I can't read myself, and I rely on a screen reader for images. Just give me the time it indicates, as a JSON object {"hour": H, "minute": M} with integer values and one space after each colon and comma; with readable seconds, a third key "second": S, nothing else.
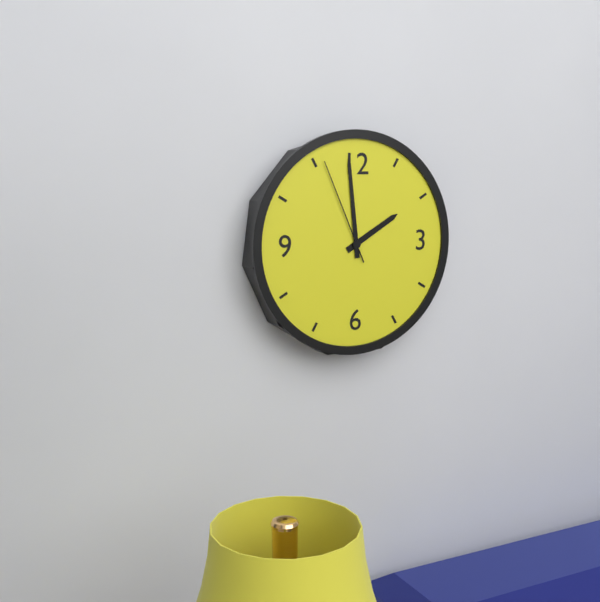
{"hour": 1, "minute": 59, "second": 56}
